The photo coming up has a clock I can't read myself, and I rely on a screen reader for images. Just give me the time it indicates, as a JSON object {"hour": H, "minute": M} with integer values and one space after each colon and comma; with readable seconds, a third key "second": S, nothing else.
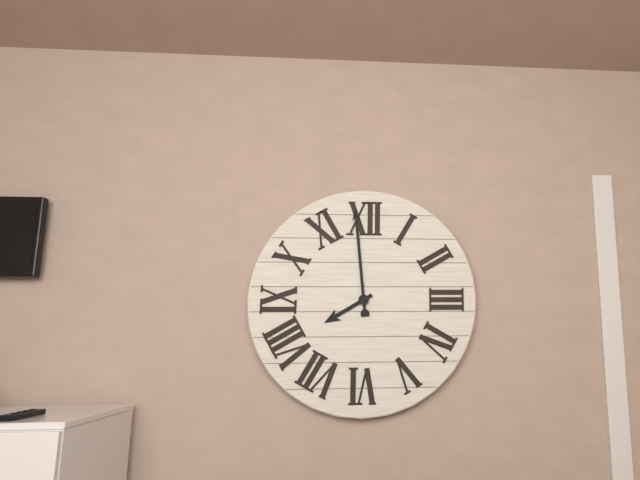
{"hour": 7, "minute": 59}
